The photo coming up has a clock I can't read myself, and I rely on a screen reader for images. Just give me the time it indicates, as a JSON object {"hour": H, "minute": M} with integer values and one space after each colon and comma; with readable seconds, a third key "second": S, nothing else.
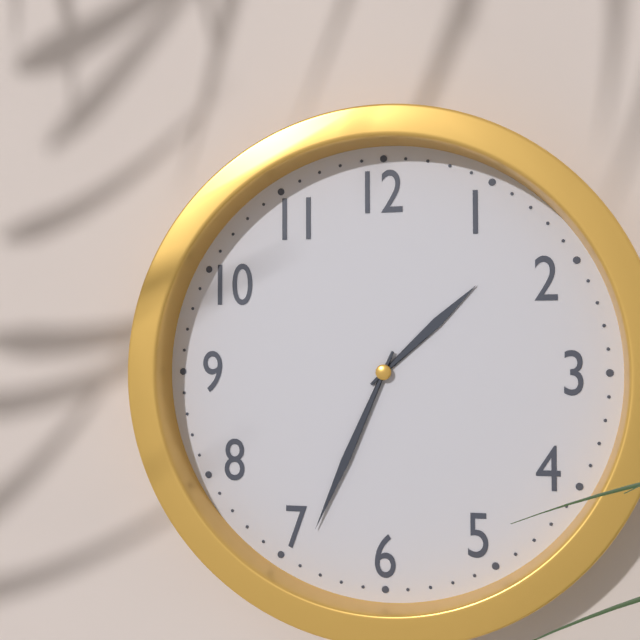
{"hour": 1, "minute": 34}
